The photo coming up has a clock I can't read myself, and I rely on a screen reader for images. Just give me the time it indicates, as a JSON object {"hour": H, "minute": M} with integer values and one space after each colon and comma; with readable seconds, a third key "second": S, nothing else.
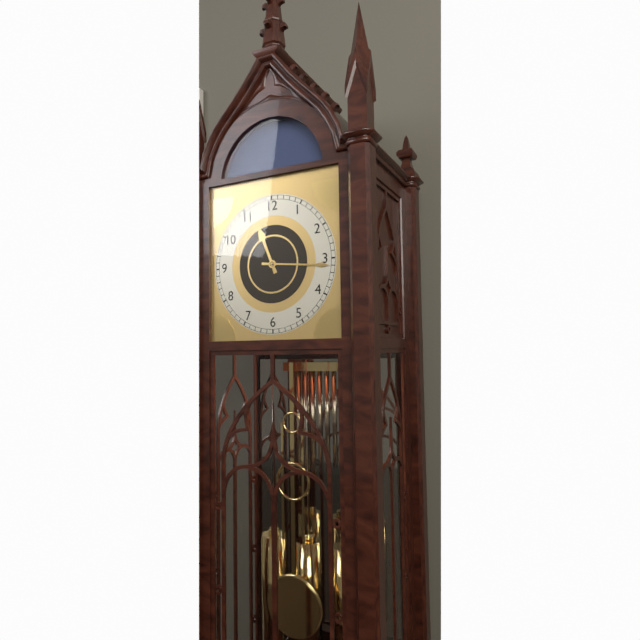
{"hour": 11, "minute": 16}
